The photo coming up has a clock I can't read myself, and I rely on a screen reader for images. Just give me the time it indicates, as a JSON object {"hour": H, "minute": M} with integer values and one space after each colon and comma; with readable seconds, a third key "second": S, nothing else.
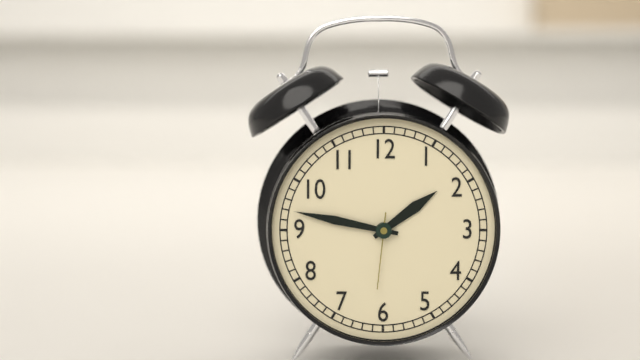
{"hour": 1, "minute": 47, "second": 31}
